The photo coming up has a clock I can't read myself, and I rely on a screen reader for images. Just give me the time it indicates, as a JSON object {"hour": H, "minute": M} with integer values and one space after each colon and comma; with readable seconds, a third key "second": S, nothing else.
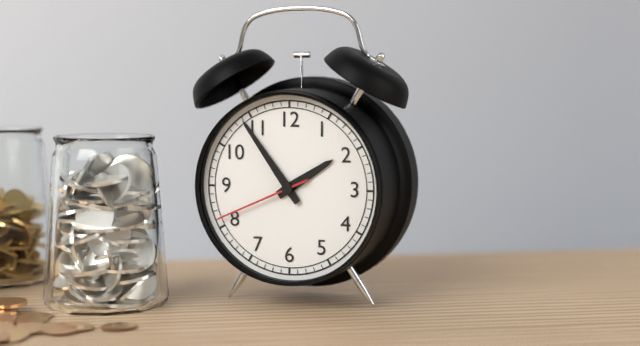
{"hour": 1, "minute": 54, "second": 41}
